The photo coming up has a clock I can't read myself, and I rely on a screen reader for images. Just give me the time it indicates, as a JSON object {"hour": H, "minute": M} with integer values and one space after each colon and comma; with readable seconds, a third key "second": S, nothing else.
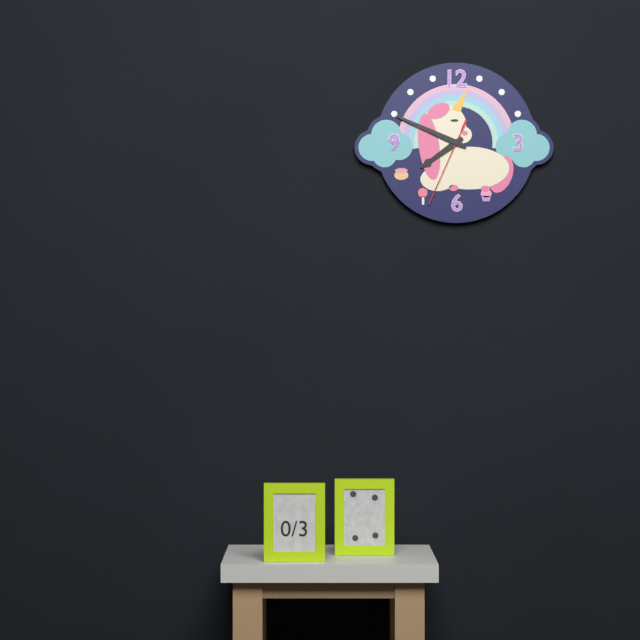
{"hour": 7, "minute": 49, "second": 34}
